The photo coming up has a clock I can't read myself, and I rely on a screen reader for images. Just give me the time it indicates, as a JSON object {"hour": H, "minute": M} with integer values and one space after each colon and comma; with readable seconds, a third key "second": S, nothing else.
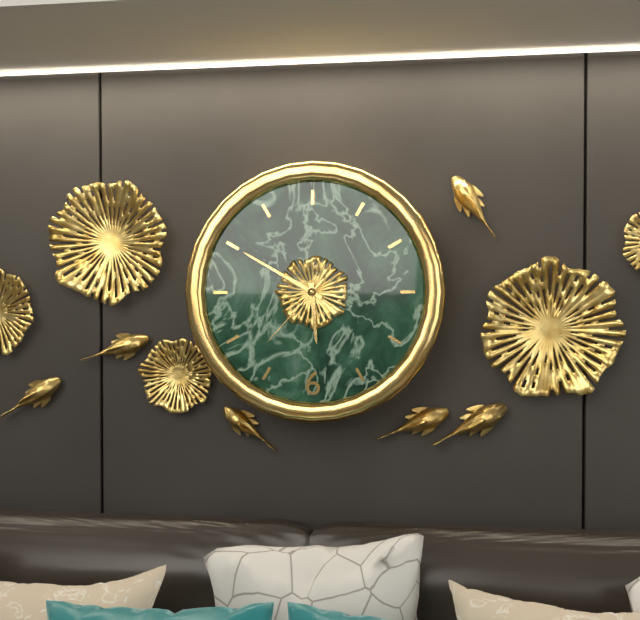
{"hour": 5, "minute": 50, "second": 37}
